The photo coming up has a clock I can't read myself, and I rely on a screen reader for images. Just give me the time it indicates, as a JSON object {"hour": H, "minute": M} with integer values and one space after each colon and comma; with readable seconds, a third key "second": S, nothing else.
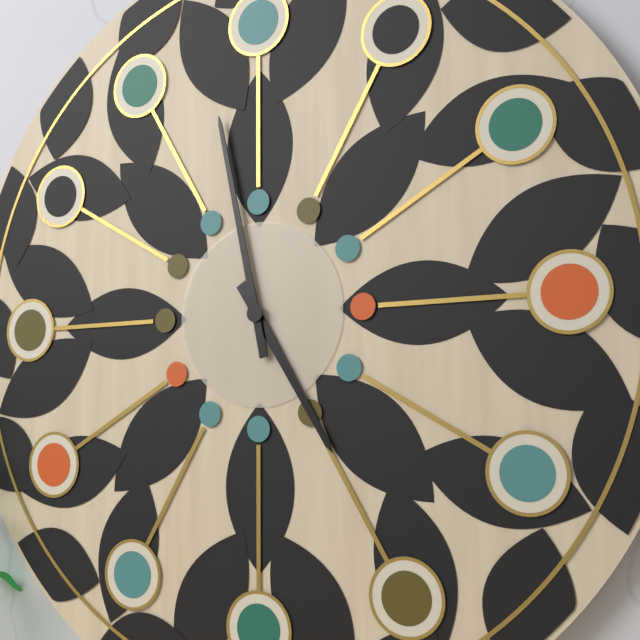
{"hour": 4, "minute": 58}
